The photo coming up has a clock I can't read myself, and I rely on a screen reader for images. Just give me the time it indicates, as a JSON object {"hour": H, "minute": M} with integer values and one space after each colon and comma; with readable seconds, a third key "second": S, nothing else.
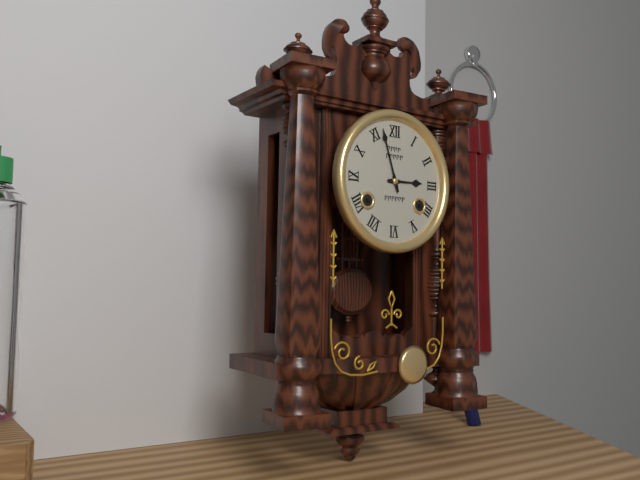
{"hour": 2, "minute": 57}
